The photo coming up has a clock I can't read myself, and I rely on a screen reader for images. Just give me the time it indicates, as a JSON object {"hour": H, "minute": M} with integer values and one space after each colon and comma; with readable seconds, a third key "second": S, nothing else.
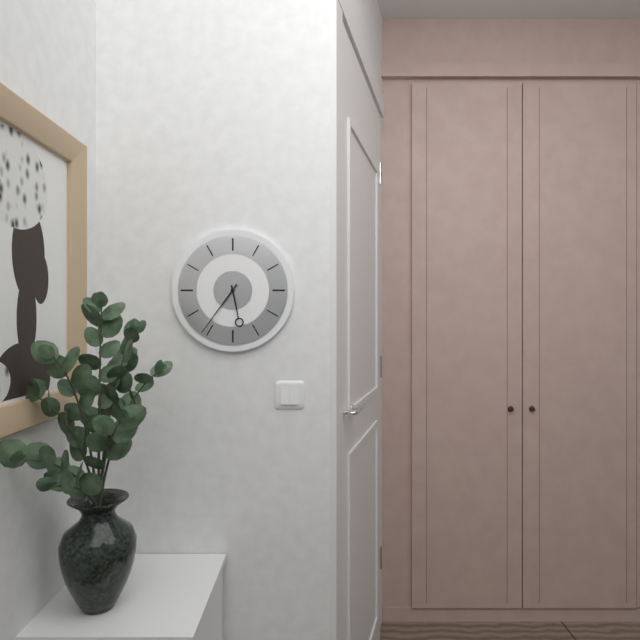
{"hour": 5, "minute": 36}
